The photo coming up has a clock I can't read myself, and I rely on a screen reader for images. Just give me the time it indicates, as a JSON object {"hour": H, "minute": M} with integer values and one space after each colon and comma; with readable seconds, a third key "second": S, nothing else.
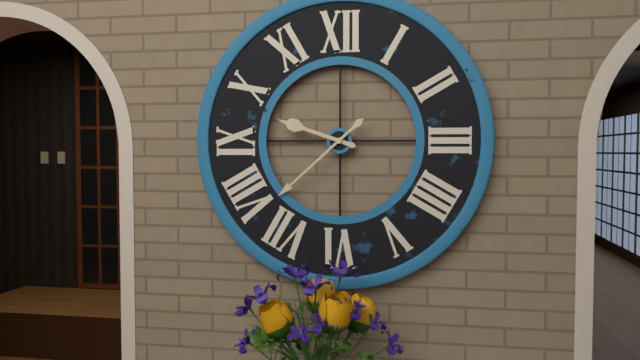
{"hour": 9, "minute": 38}
